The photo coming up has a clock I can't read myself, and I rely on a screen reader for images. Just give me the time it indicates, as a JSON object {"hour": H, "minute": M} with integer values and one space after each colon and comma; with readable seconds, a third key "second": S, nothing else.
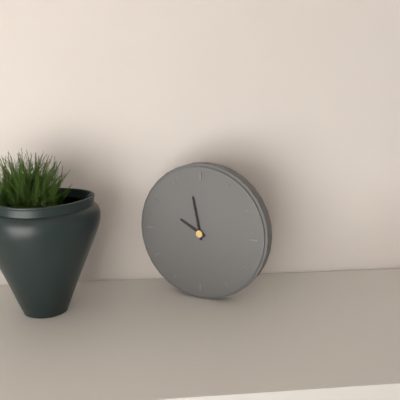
{"hour": 9, "minute": 58}
